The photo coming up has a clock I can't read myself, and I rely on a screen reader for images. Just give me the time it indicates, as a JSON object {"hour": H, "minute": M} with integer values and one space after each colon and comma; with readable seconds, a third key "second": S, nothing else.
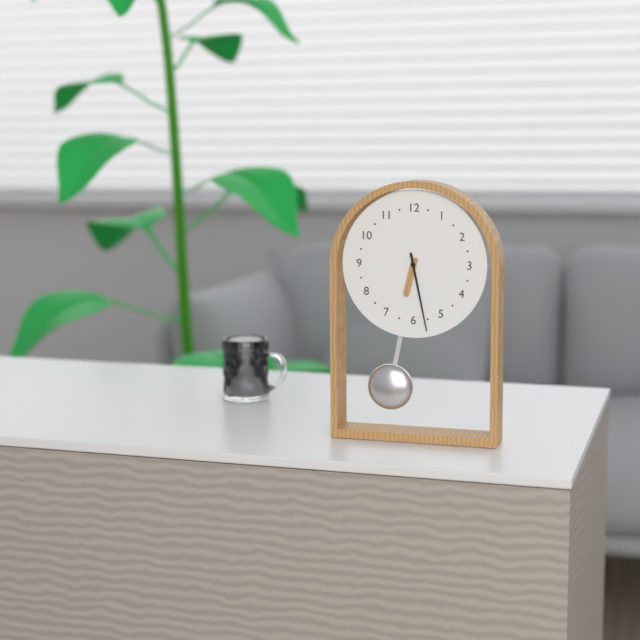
{"hour": 6, "minute": 28}
